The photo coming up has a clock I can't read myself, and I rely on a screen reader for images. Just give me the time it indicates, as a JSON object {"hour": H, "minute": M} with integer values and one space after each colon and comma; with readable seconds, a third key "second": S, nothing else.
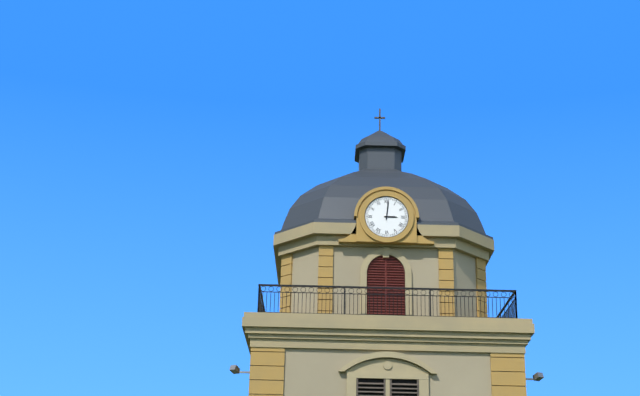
{"hour": 3, "minute": 1}
